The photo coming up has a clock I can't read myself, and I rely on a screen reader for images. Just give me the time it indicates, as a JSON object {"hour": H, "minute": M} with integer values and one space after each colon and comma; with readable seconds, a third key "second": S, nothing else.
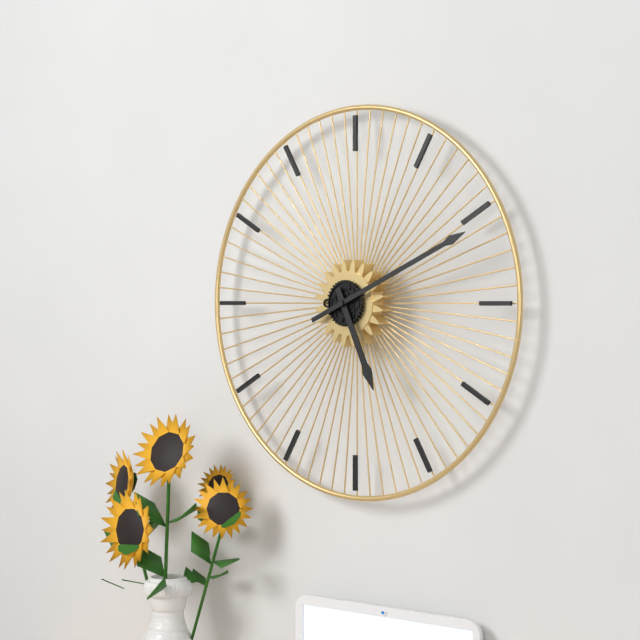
{"hour": 5, "minute": 11}
